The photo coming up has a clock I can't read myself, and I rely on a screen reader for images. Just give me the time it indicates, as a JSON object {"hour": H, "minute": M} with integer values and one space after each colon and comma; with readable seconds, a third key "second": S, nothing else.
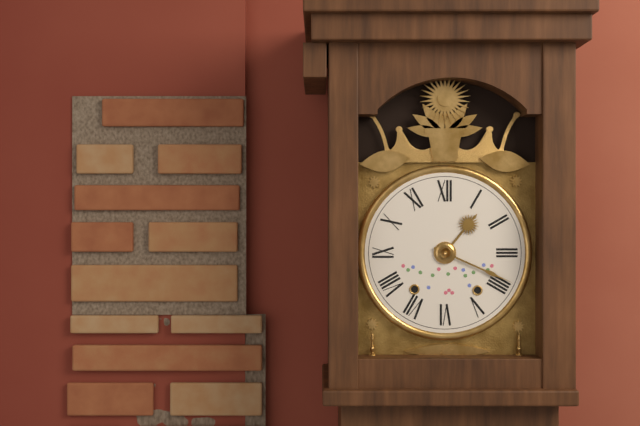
{"hour": 1, "minute": 19}
